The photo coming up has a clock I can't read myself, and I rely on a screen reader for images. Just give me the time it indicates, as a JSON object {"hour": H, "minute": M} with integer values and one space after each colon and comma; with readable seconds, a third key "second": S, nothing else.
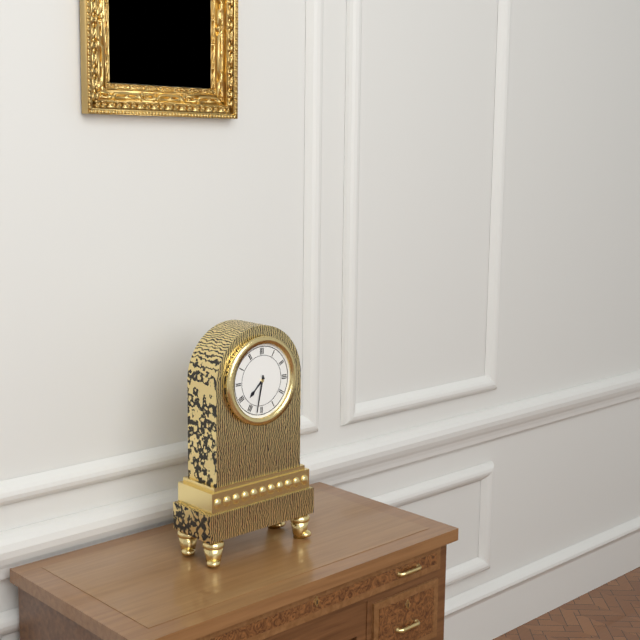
{"hour": 7, "minute": 32}
